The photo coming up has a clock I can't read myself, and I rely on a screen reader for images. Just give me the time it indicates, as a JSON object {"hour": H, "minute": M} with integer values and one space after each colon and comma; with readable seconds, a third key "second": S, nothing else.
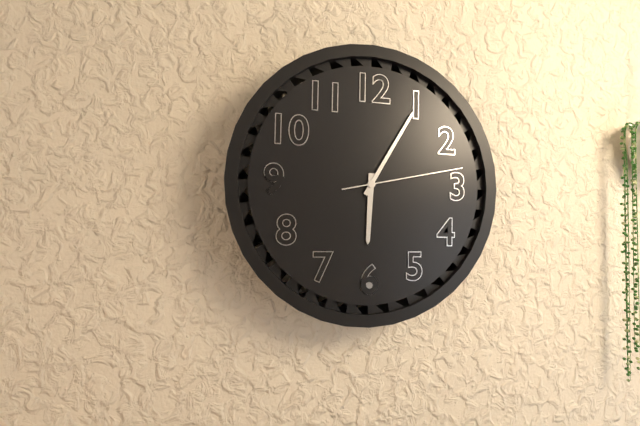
{"hour": 6, "minute": 5, "second": 13}
